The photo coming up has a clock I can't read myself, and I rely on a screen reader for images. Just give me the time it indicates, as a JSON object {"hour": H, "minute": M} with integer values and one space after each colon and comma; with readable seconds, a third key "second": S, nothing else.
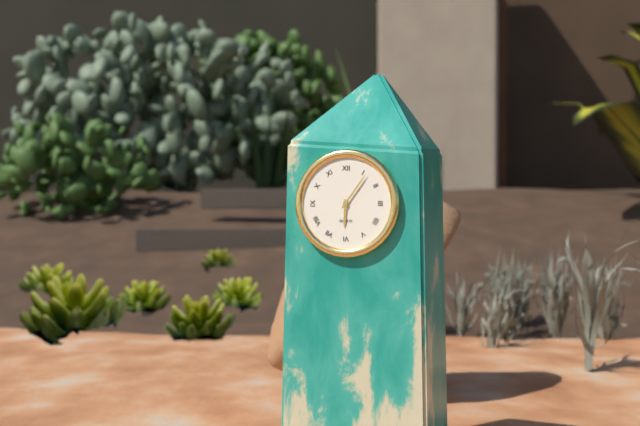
{"hour": 6, "minute": 6}
